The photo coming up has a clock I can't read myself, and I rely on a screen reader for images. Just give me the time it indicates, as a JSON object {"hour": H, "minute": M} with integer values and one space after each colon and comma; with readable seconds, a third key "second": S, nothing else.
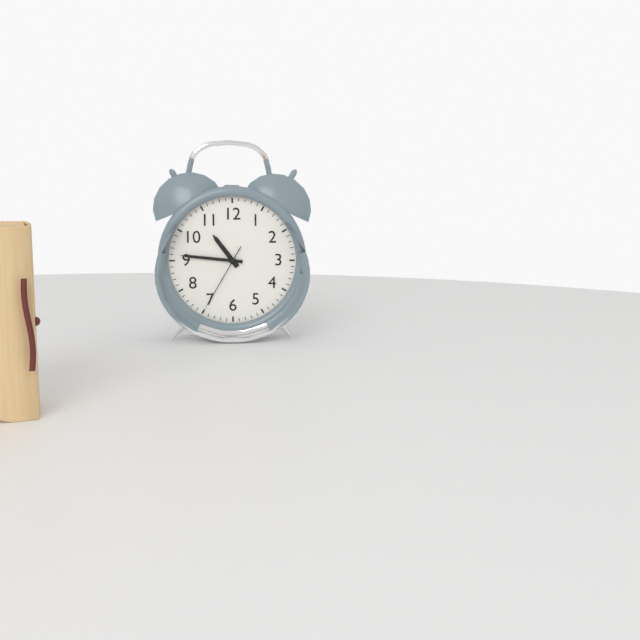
{"hour": 10, "minute": 46, "second": 35}
